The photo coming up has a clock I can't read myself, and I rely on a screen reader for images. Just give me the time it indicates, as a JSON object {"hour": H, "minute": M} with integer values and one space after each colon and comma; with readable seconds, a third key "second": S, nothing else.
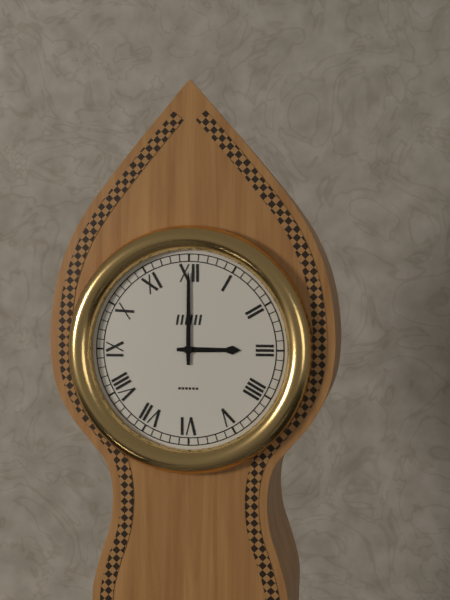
{"hour": 3, "minute": 0}
